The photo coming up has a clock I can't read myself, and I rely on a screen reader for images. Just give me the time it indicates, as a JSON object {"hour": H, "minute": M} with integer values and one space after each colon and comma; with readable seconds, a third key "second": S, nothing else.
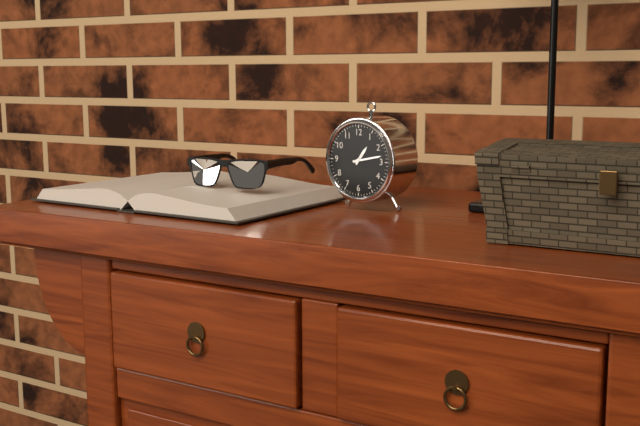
{"hour": 1, "minute": 13}
